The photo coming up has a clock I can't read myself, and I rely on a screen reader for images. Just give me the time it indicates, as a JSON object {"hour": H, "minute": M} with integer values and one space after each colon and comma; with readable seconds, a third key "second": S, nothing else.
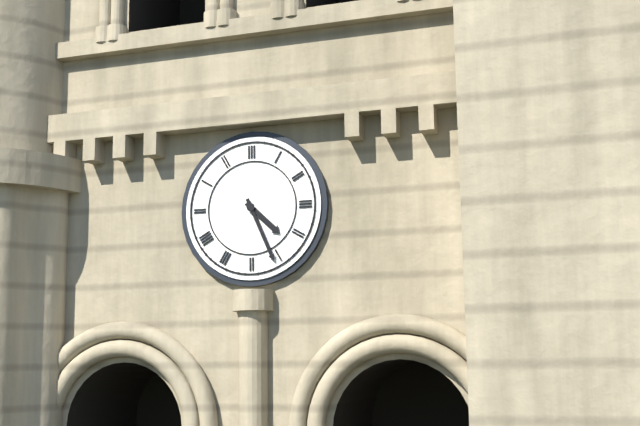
{"hour": 4, "minute": 26}
